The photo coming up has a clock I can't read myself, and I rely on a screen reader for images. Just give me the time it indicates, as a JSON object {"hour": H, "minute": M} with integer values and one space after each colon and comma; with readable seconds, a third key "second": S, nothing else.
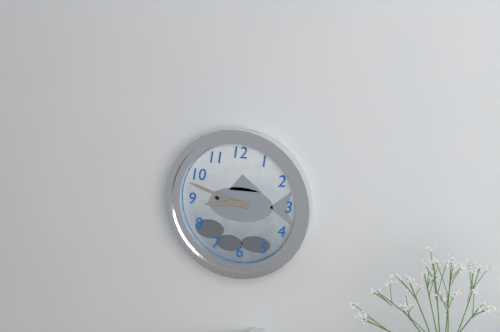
{"hour": 8, "minute": 48}
